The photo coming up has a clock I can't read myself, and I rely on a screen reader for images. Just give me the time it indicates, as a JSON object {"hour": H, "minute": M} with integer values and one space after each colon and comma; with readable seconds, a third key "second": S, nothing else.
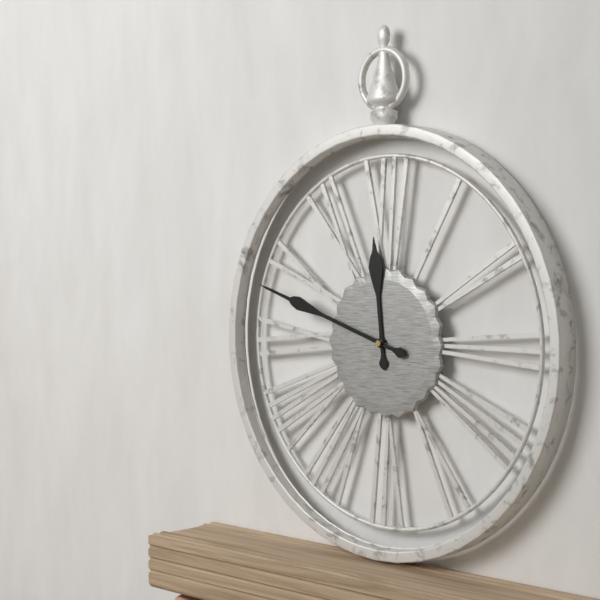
{"hour": 11, "minute": 48}
